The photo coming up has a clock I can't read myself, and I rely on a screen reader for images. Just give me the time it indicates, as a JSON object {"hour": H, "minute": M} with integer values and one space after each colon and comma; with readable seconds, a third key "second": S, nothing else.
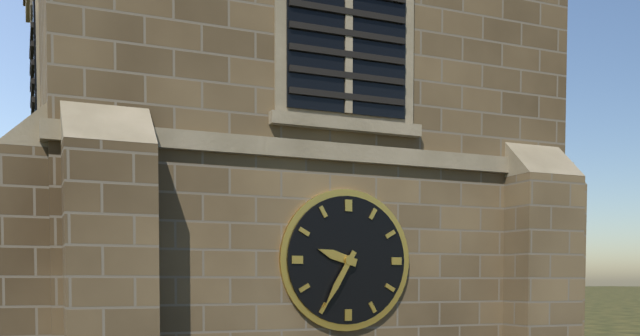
{"hour": 9, "minute": 35}
